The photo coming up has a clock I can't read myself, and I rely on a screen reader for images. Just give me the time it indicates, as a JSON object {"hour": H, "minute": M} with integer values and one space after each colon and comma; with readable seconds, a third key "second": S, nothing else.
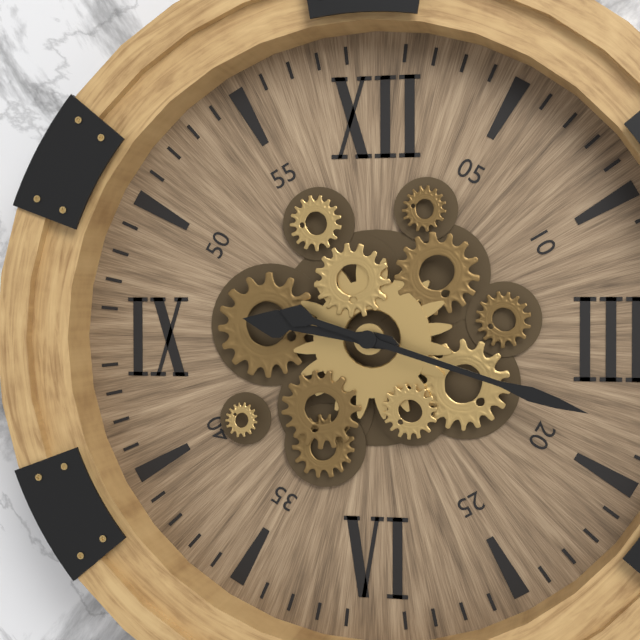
{"hour": 9, "minute": 18}
